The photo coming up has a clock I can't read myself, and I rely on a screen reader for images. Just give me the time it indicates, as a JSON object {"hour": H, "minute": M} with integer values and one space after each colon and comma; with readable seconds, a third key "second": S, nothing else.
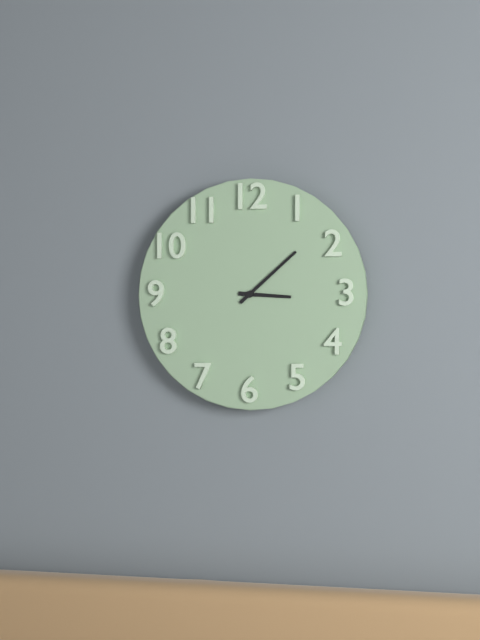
{"hour": 3, "minute": 8}
